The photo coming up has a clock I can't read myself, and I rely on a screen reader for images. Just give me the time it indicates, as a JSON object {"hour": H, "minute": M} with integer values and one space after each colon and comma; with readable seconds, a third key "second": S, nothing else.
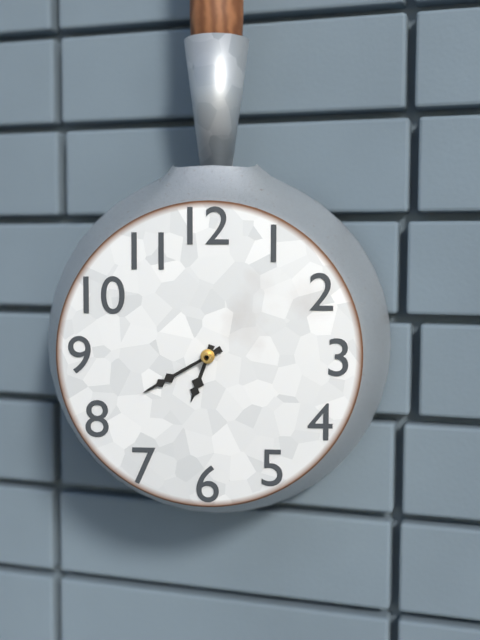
{"hour": 6, "minute": 40}
